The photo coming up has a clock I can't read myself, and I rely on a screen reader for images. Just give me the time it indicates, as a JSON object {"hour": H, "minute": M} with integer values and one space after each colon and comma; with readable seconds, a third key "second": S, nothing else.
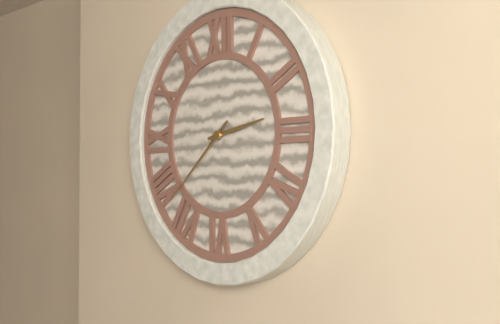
{"hour": 2, "minute": 38}
